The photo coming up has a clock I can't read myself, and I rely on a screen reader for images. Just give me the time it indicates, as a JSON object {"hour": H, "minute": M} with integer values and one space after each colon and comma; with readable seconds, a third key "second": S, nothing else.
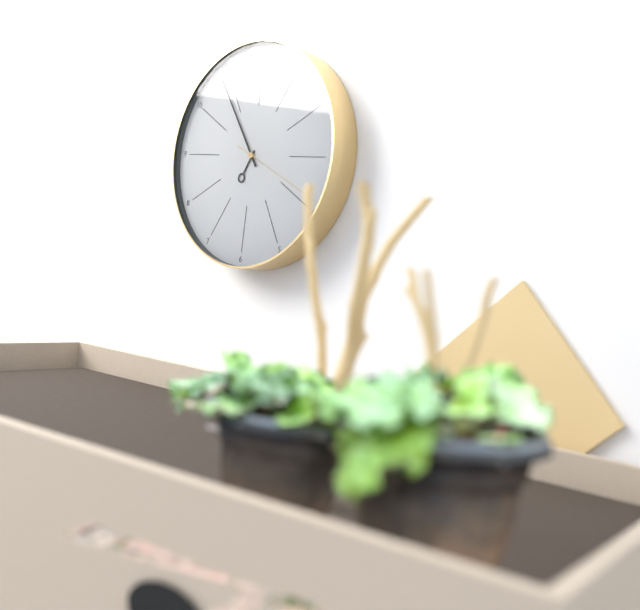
{"hour": 6, "minute": 54, "second": 19}
